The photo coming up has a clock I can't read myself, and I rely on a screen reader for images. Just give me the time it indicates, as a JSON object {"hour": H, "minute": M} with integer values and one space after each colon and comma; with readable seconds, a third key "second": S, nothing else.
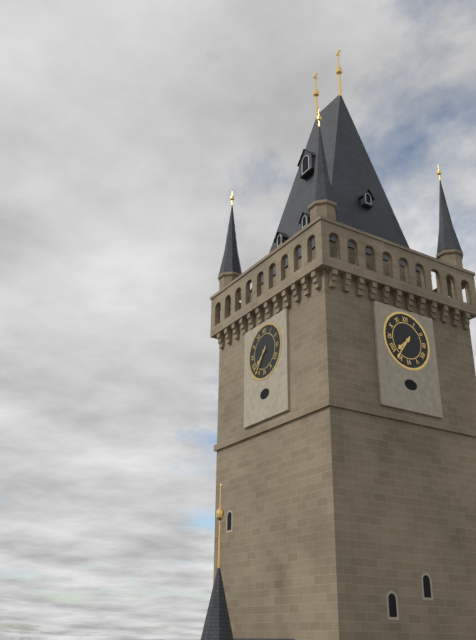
{"hour": 7, "minute": 36}
